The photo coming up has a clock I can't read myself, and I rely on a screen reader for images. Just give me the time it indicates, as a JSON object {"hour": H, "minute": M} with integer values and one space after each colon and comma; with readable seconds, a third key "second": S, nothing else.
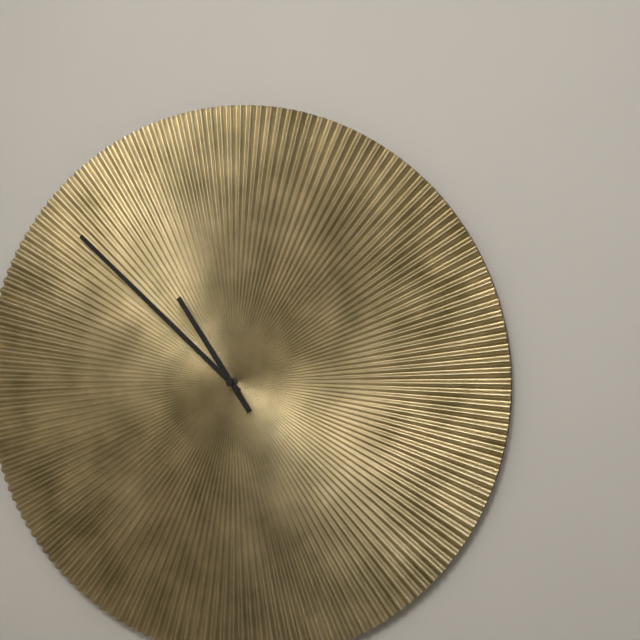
{"hour": 10, "minute": 52}
